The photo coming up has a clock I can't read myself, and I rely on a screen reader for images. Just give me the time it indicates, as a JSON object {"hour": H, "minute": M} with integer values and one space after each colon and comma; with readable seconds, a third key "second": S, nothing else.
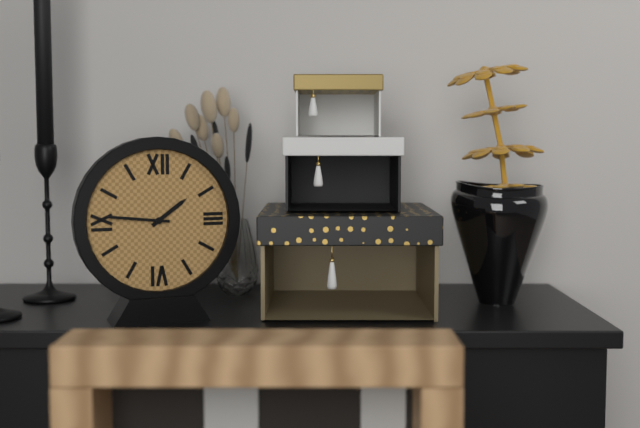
{"hour": 1, "minute": 46}
